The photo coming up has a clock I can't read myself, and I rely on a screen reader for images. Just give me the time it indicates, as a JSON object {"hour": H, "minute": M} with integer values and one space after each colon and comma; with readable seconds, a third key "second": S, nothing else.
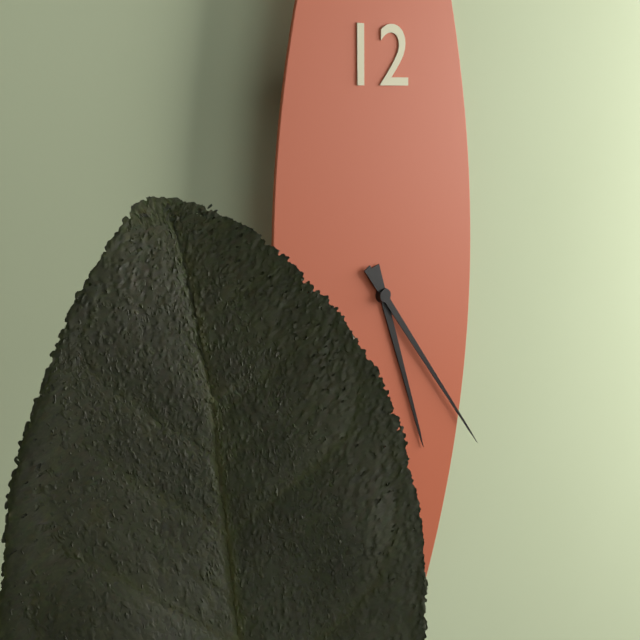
{"hour": 5, "minute": 24}
